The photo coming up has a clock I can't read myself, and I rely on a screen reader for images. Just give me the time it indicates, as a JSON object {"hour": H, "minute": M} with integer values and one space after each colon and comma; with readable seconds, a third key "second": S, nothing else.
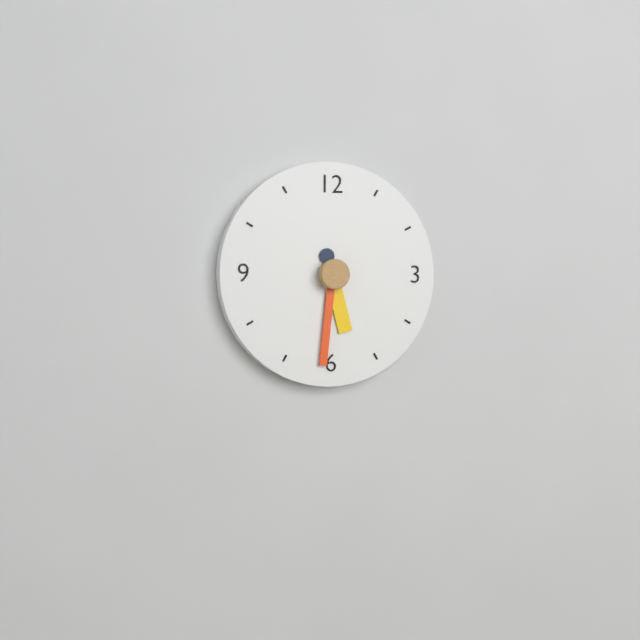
{"hour": 5, "minute": 31}
